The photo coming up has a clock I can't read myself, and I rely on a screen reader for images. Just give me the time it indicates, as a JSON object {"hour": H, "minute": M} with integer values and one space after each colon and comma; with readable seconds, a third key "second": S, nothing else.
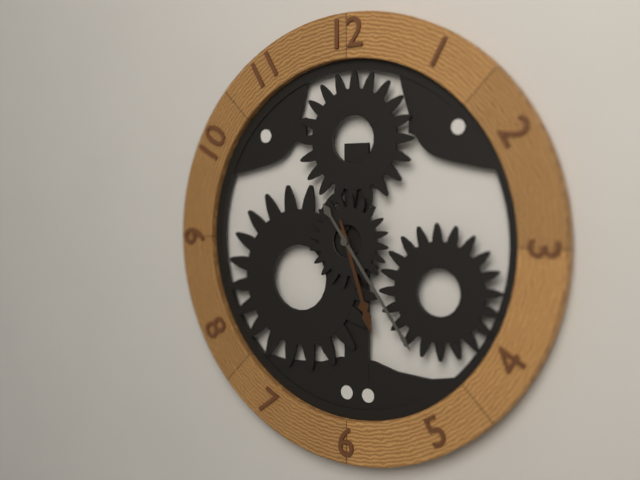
{"hour": 5, "minute": 24}
